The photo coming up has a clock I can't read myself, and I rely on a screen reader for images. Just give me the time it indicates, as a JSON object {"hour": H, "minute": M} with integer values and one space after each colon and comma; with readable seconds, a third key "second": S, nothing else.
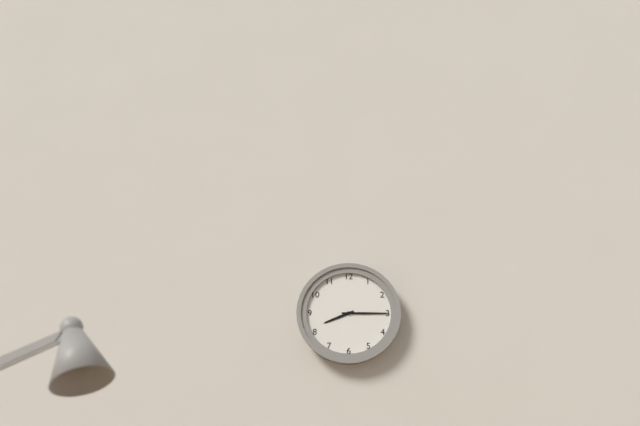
{"hour": 8, "minute": 15}
